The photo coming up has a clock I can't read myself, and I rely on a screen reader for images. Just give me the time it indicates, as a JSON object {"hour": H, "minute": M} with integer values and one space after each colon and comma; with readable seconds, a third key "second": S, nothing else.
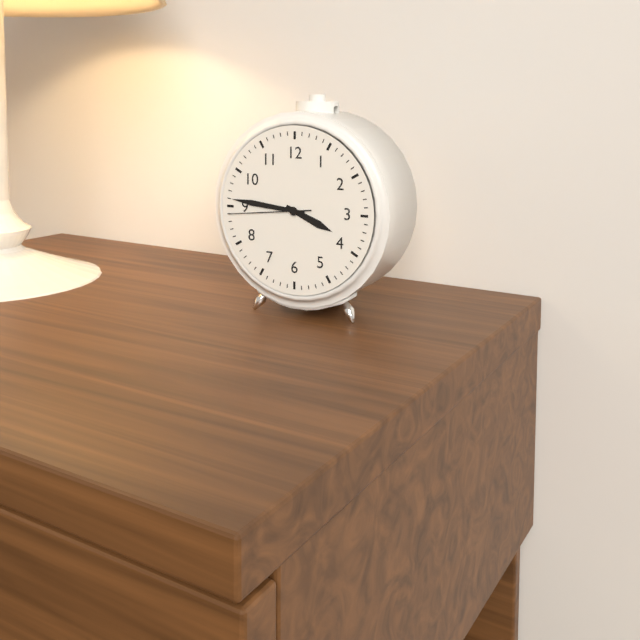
{"hour": 3, "minute": 46, "second": 44}
